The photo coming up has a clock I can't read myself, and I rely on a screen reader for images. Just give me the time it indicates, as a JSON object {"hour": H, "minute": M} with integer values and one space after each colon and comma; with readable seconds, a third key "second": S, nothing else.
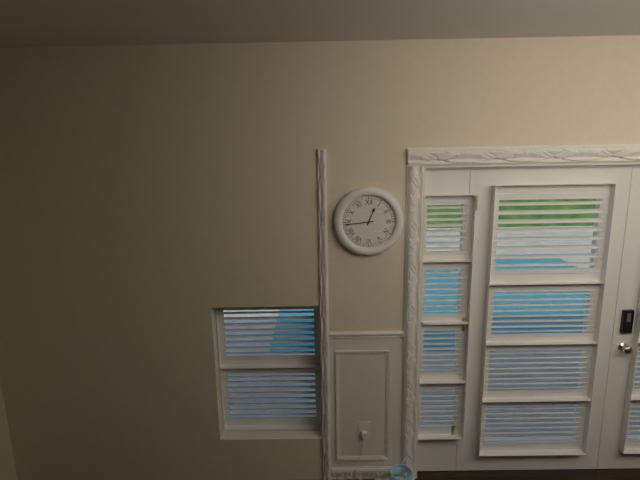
{"hour": 12, "minute": 44}
